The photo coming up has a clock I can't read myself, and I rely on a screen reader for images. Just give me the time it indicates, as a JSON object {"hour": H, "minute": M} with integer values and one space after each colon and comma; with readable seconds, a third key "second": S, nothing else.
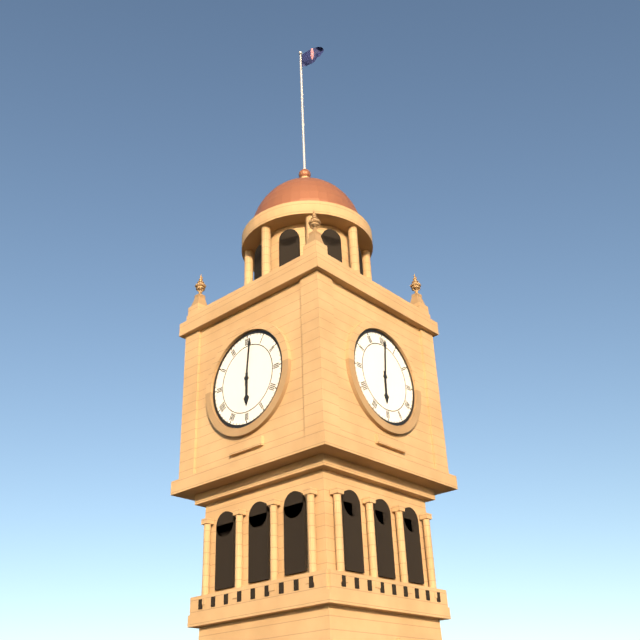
{"hour": 6, "minute": 1}
